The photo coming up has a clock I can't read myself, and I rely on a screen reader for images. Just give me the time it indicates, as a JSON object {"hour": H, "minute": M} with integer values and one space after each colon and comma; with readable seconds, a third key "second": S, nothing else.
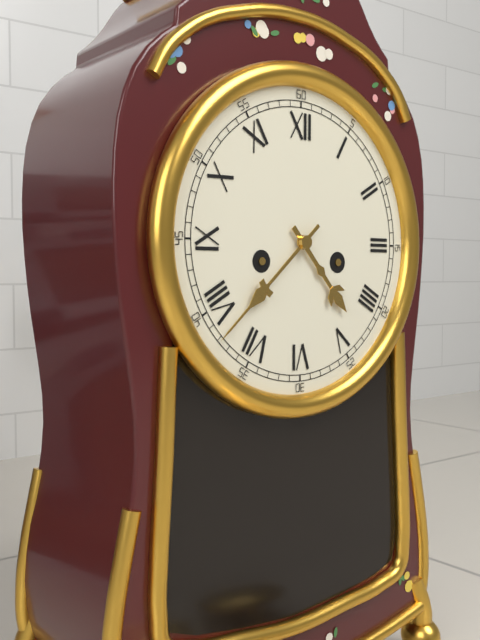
{"hour": 4, "minute": 38}
